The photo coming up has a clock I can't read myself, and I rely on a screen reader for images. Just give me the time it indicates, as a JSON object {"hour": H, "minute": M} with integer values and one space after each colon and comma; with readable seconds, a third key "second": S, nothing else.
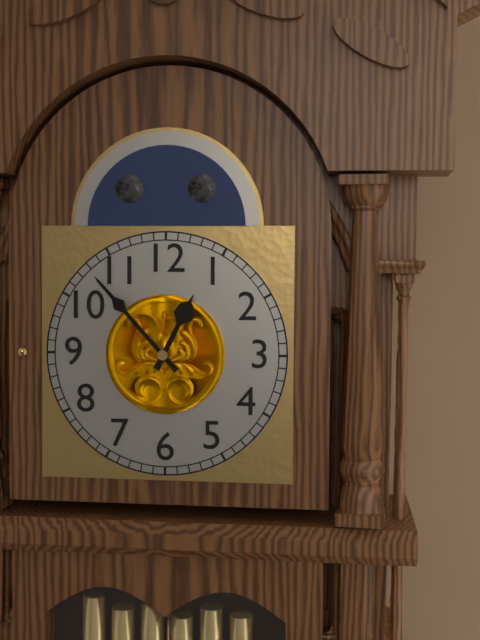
{"hour": 12, "minute": 53}
